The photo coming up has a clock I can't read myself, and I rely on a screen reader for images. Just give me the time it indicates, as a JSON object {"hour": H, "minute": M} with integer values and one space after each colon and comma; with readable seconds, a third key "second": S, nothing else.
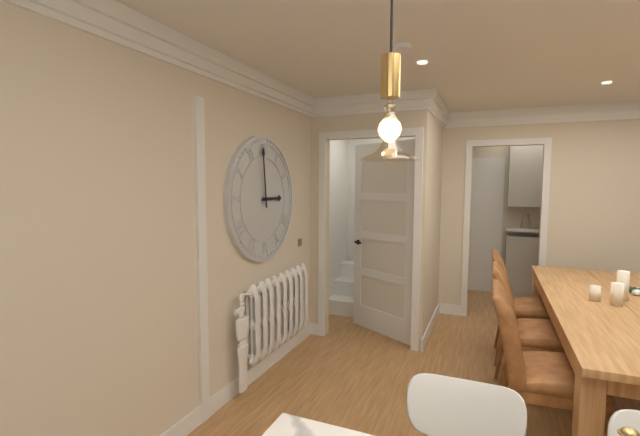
{"hour": 2, "minute": 59}
